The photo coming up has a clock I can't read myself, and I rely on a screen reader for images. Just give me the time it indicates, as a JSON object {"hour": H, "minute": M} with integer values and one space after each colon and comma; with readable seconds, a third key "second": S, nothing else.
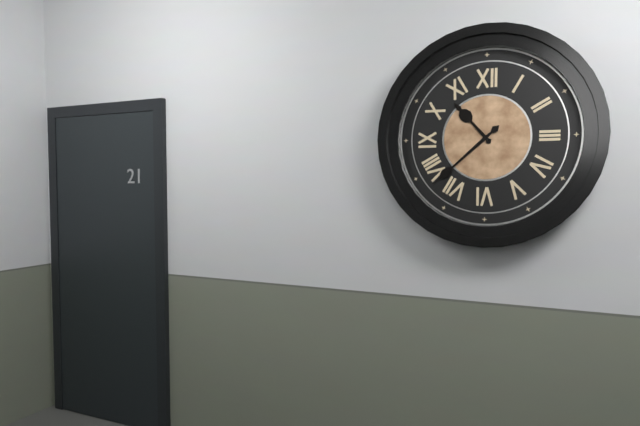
{"hour": 10, "minute": 38}
